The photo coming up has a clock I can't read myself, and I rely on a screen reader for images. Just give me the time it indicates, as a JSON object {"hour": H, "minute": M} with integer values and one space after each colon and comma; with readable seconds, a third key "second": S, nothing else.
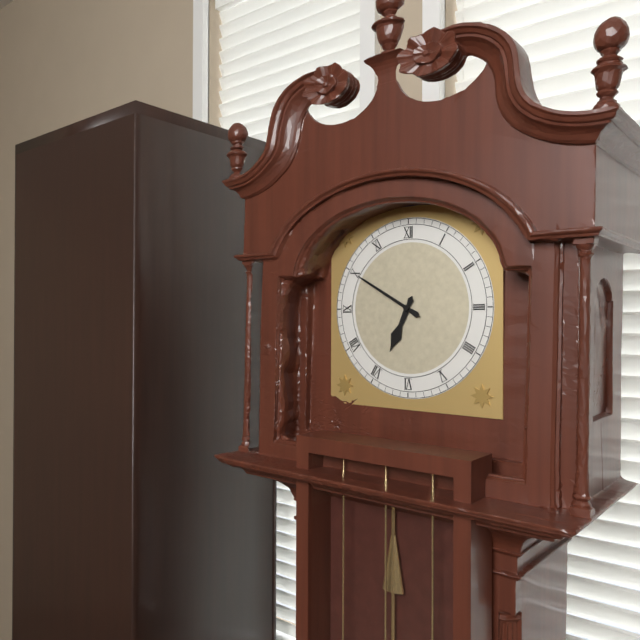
{"hour": 6, "minute": 50}
